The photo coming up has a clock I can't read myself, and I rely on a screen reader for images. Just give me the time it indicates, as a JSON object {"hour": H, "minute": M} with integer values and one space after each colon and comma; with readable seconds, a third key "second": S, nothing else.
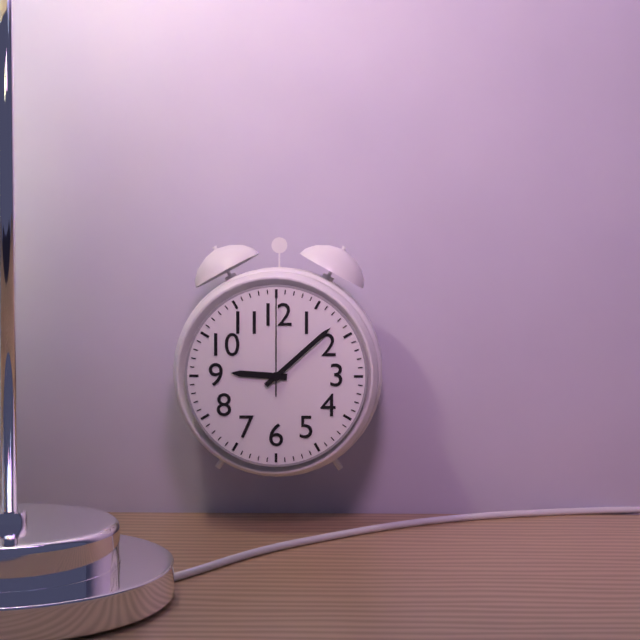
{"hour": 9, "minute": 8, "second": 0}
